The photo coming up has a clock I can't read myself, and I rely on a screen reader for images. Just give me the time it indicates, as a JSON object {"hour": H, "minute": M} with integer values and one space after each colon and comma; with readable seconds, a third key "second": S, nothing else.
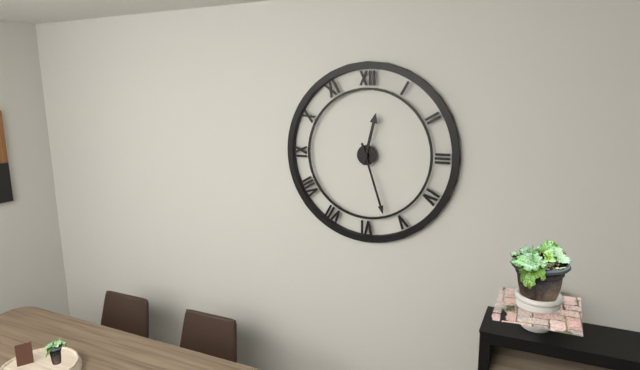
{"hour": 12, "minute": 27}
